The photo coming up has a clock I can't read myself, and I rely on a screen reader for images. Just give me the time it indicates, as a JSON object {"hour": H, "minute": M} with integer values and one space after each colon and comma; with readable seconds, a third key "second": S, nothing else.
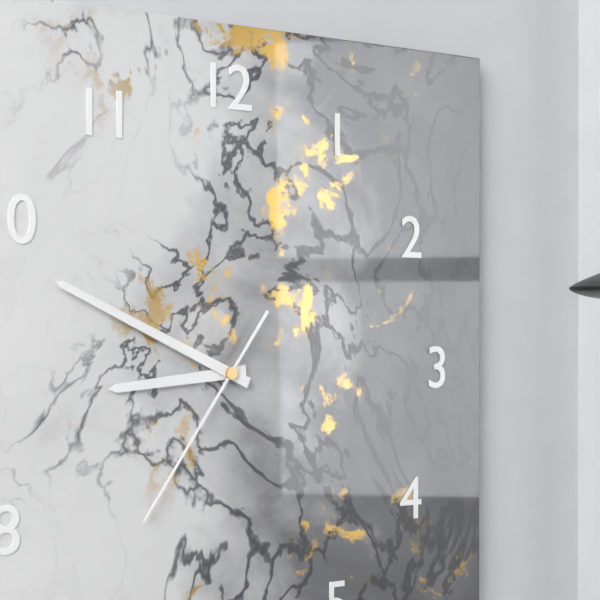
{"hour": 8, "minute": 49, "second": 36}
